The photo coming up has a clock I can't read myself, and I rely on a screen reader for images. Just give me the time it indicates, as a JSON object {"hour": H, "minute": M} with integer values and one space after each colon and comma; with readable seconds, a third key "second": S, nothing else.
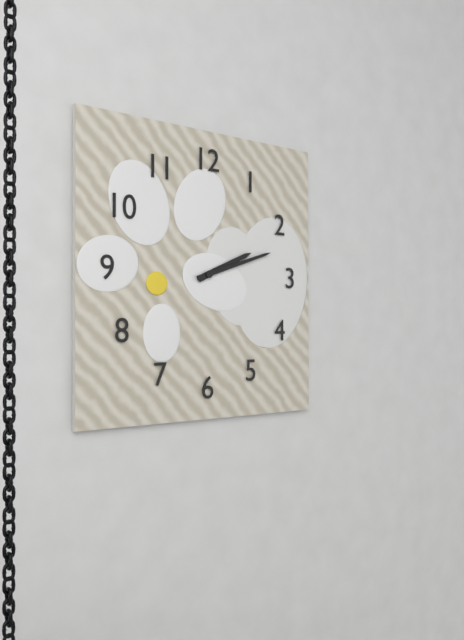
{"hour": 2, "minute": 12}
